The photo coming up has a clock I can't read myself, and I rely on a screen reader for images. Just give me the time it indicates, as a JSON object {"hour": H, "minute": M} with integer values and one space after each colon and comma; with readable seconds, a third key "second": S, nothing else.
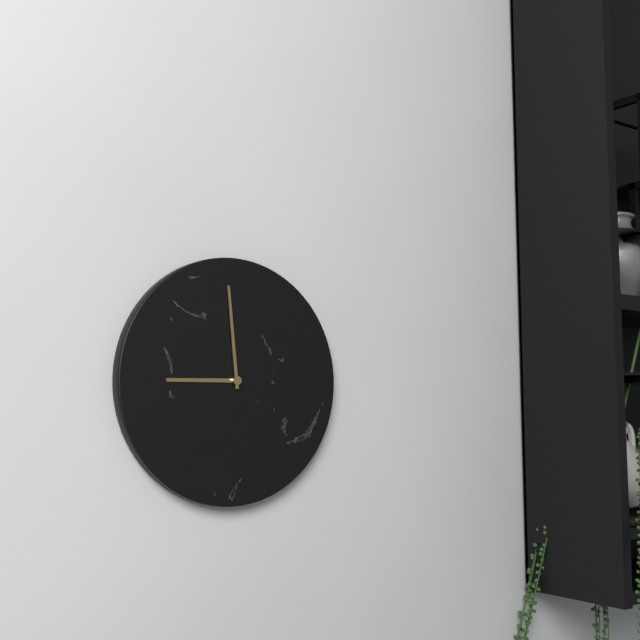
{"hour": 8, "minute": 59}
